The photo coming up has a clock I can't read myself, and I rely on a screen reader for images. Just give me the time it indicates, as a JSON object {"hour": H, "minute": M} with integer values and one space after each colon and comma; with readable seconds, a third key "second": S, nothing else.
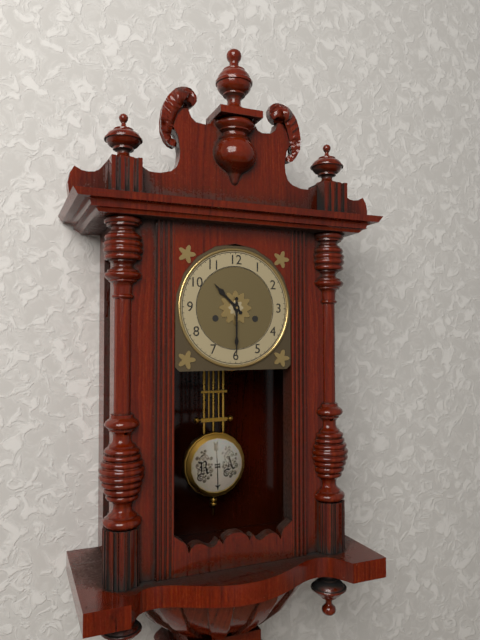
{"hour": 10, "minute": 30}
